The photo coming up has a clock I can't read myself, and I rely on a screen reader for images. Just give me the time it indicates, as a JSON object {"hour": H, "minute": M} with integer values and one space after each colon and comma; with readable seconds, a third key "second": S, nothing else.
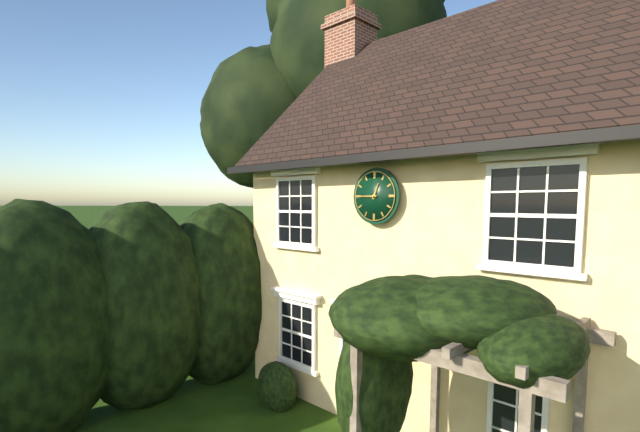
{"hour": 12, "minute": 45}
